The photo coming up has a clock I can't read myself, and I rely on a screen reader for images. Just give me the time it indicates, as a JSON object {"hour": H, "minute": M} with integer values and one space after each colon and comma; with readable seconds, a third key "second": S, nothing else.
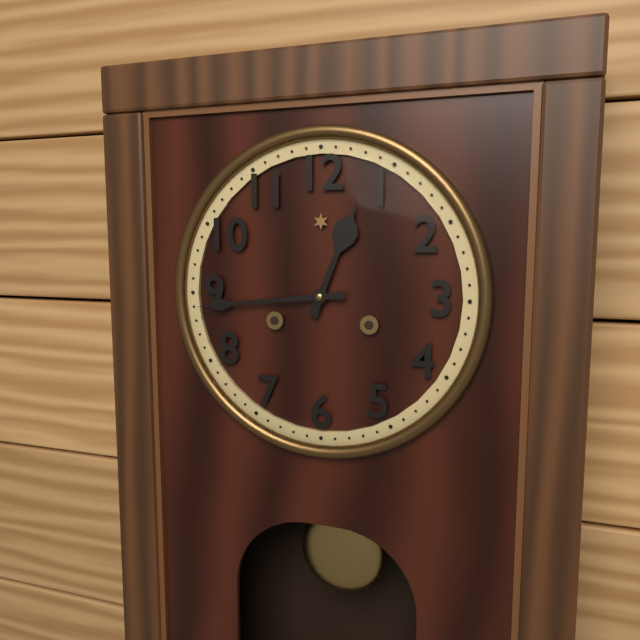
{"hour": 12, "minute": 44}
